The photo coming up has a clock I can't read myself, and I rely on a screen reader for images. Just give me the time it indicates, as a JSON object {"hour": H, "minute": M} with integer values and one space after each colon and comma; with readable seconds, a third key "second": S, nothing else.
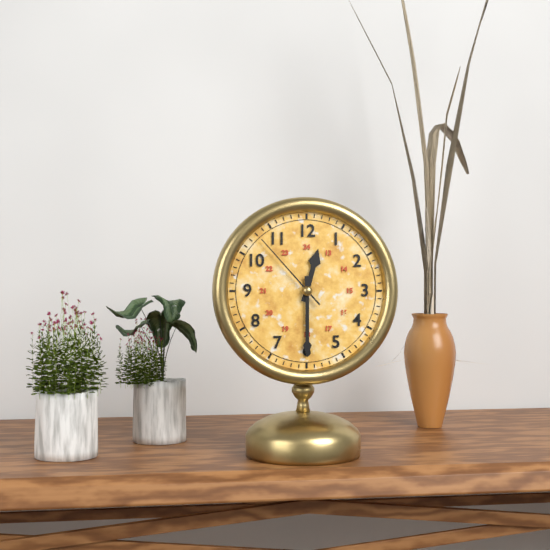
{"hour": 12, "minute": 30, "second": 53}
